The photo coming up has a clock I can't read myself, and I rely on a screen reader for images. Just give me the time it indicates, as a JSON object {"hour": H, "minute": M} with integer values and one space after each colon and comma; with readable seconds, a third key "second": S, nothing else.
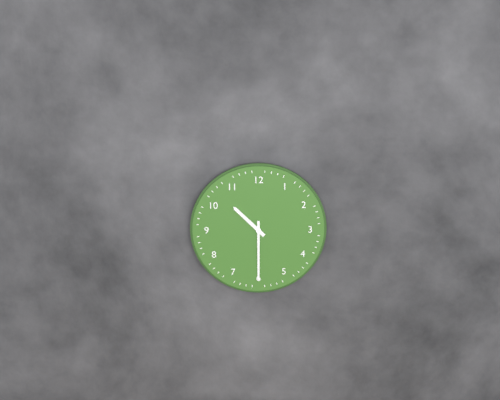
{"hour": 10, "minute": 30}
